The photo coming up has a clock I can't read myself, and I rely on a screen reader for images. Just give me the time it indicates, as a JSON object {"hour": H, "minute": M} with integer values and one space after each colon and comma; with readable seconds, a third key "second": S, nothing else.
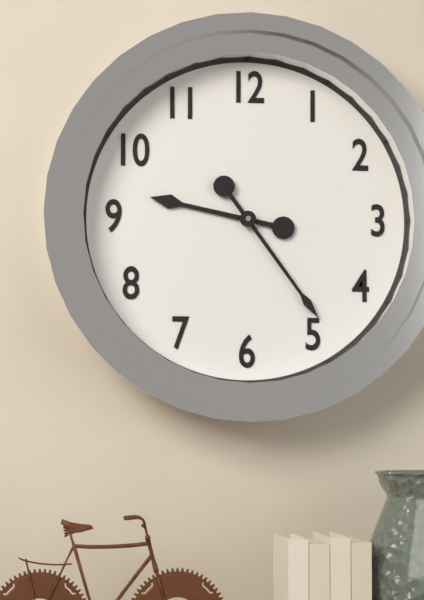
{"hour": 9, "minute": 24}
